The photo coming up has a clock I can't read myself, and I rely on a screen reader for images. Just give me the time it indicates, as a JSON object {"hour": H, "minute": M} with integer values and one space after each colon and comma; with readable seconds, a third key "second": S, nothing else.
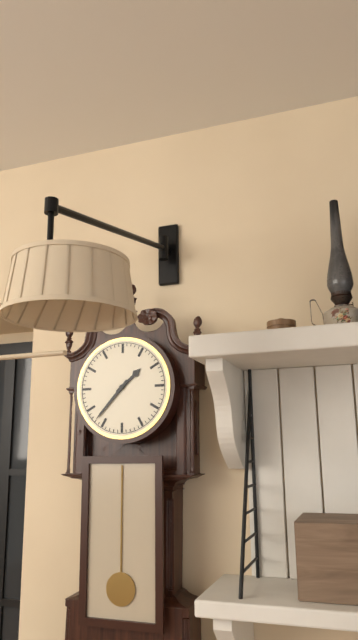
{"hour": 1, "minute": 37}
